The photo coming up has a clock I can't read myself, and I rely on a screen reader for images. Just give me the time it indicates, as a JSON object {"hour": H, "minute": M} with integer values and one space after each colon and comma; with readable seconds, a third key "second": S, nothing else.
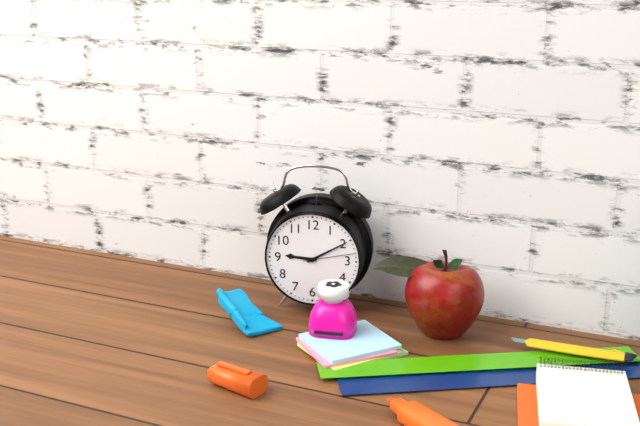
{"hour": 9, "minute": 10, "second": 13}
